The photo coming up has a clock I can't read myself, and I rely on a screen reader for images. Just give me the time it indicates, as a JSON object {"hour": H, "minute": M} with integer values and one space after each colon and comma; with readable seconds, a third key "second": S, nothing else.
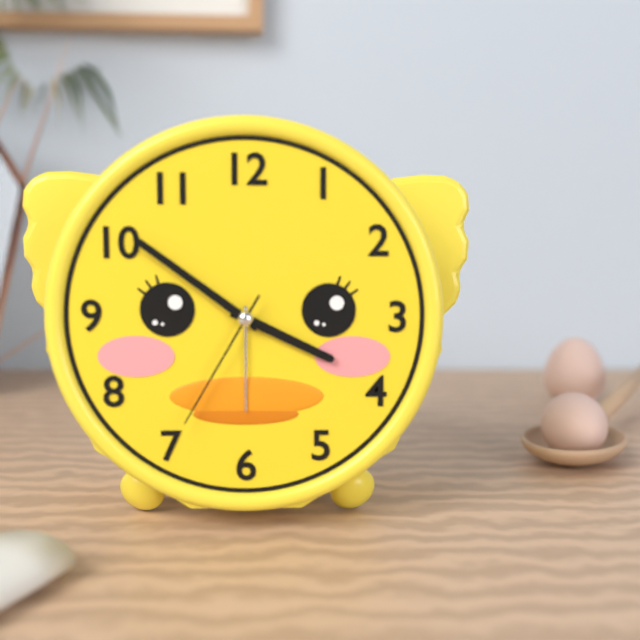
{"hour": 3, "minute": 51, "second": 35}
